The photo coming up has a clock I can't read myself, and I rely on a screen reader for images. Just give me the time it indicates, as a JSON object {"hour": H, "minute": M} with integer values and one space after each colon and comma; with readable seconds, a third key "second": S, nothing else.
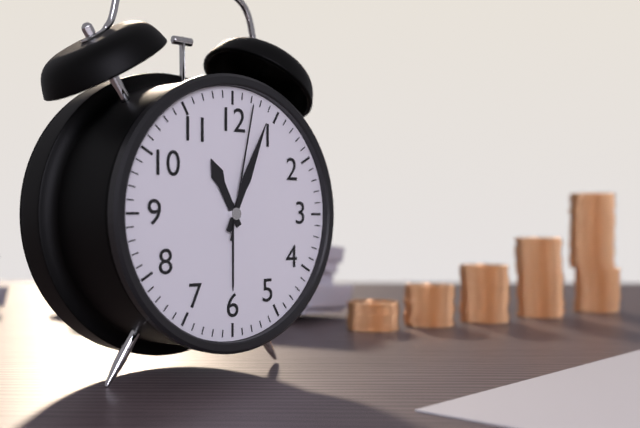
{"hour": 11, "minute": 4, "second": 2}
